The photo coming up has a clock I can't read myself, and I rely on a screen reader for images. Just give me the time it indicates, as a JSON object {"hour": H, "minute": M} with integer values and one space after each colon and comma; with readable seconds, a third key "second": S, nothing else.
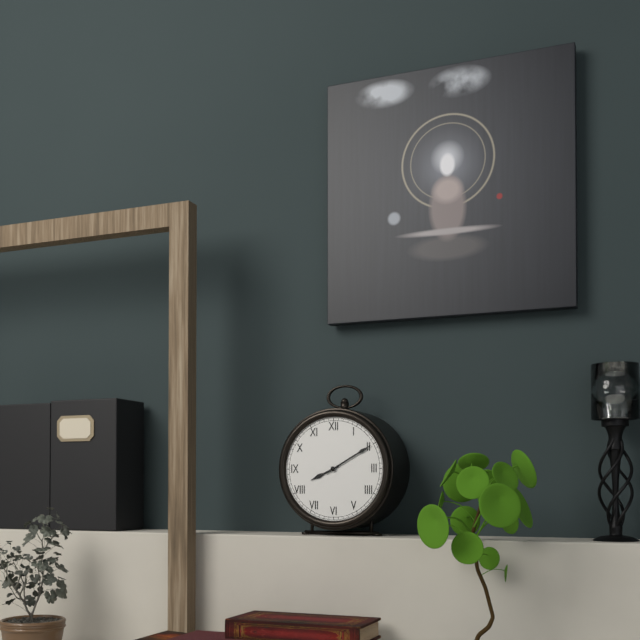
{"hour": 8, "minute": 10}
